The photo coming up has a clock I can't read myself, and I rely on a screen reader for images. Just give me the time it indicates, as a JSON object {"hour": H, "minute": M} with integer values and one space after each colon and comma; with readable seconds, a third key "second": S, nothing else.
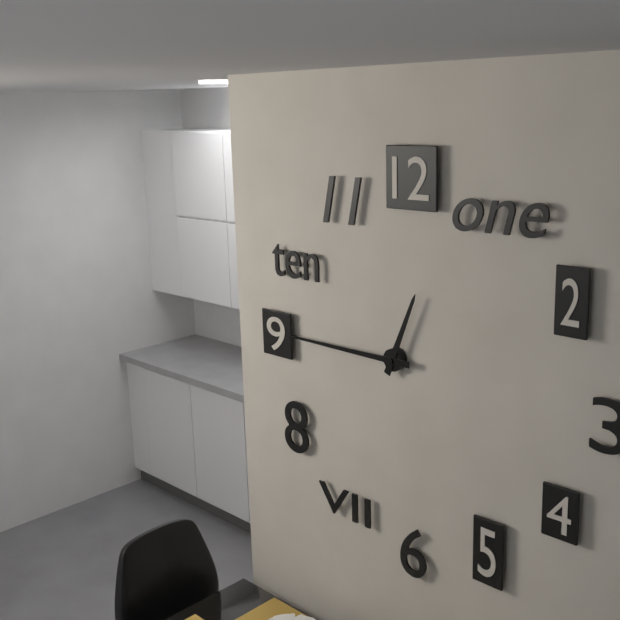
{"hour": 12, "minute": 45}
